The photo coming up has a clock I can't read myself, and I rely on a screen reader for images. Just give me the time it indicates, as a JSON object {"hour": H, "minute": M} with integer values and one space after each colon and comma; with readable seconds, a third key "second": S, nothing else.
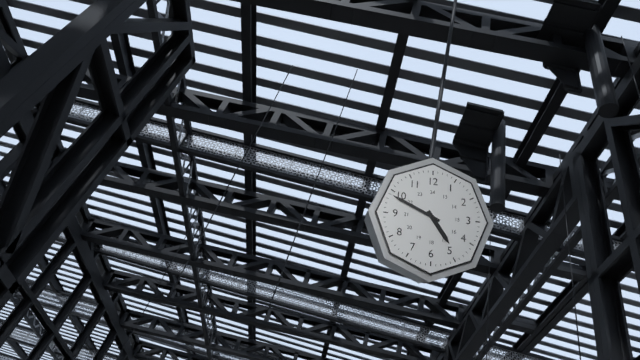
{"hour": 4, "minute": 49}
